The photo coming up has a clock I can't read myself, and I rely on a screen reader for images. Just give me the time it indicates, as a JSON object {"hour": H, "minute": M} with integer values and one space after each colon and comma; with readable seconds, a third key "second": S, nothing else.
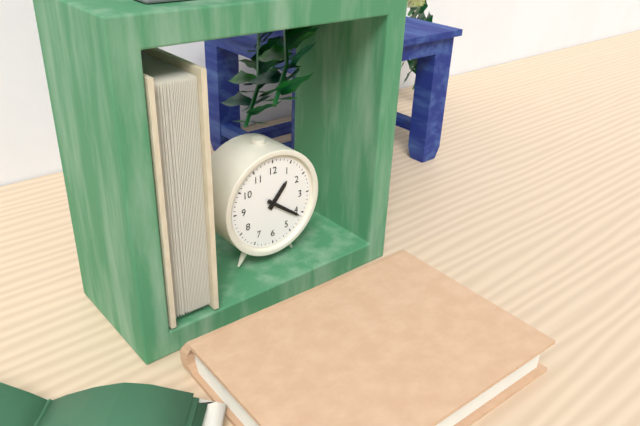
{"hour": 1, "minute": 21}
